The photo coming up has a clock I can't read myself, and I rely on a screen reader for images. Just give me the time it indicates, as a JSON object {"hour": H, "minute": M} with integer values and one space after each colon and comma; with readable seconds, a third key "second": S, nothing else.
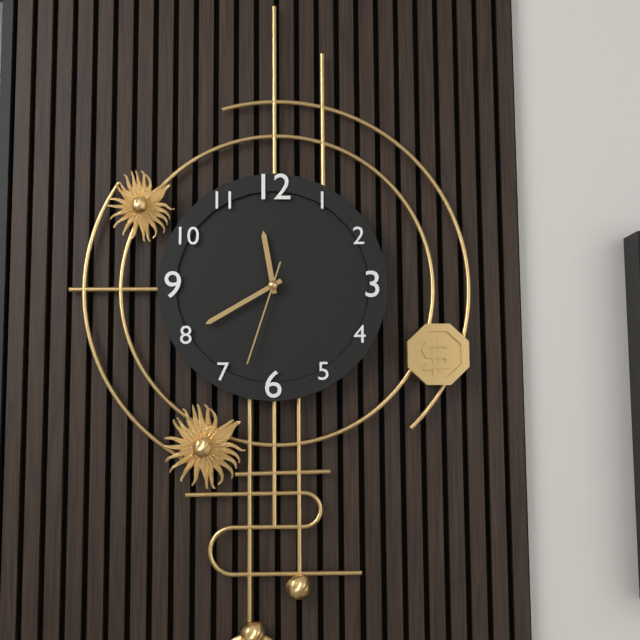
{"hour": 11, "minute": 40, "second": 33}
